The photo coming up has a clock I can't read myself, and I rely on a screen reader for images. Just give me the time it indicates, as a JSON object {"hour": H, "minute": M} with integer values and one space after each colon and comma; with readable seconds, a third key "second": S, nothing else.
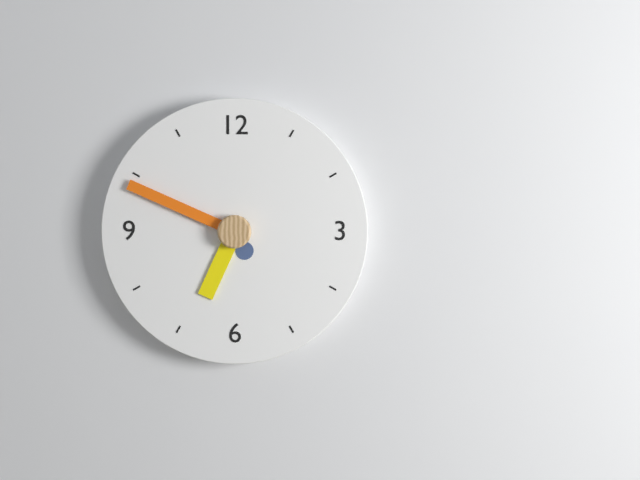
{"hour": 6, "minute": 49}
